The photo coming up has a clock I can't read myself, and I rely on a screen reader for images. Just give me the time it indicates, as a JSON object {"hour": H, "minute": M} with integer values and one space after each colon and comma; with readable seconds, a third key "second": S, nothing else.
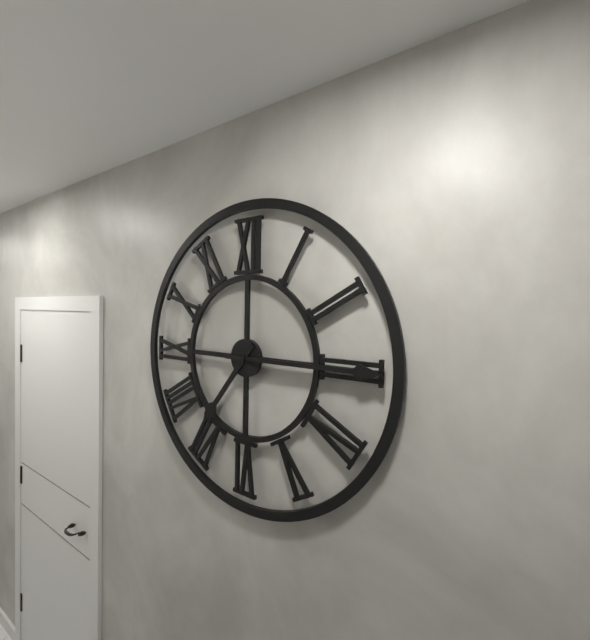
{"hour": 7, "minute": 15}
